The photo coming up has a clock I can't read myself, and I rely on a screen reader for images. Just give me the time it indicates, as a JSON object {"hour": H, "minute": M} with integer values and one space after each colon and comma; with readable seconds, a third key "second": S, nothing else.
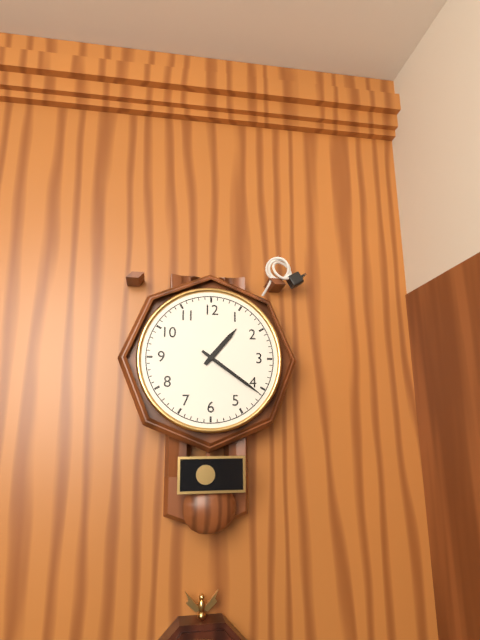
{"hour": 1, "minute": 21}
